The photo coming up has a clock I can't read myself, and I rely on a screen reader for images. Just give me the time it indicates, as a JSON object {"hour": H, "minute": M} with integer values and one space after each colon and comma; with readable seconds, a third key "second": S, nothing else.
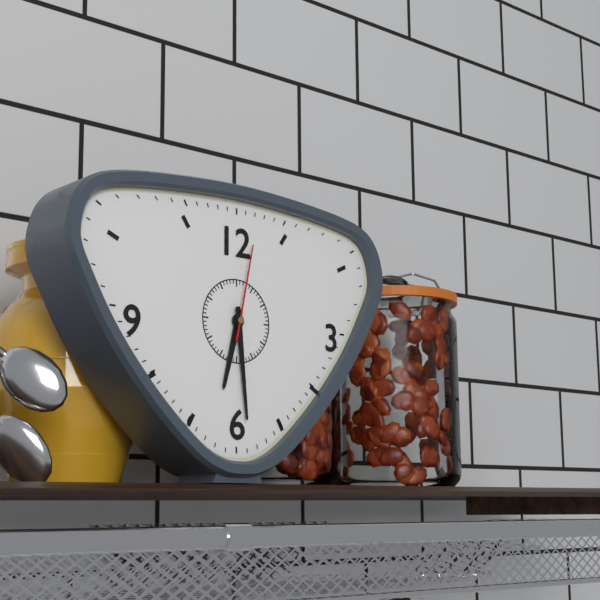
{"hour": 6, "minute": 29, "second": 2}
